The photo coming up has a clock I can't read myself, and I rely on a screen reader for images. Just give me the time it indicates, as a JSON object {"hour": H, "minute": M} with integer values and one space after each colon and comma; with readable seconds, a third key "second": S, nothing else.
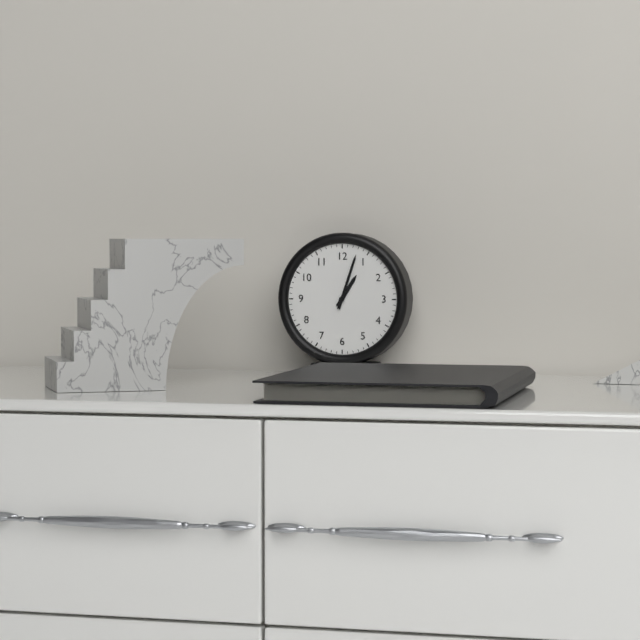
{"hour": 1, "minute": 3}
